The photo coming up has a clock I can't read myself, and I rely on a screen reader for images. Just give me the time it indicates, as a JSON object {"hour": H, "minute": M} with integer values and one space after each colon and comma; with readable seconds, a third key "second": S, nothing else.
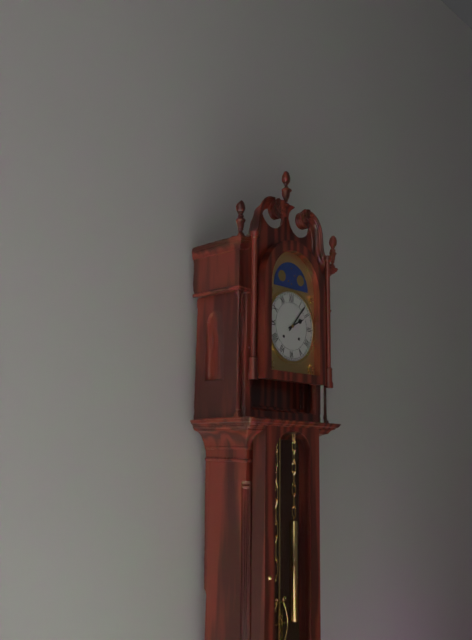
{"hour": 2, "minute": 7}
